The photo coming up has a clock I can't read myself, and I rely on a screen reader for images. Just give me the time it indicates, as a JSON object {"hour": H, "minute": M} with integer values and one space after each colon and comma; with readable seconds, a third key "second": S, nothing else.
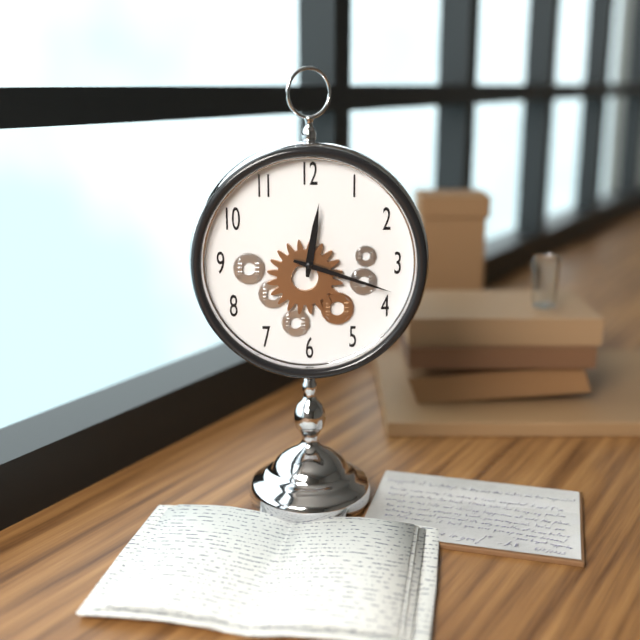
{"hour": 12, "minute": 18}
